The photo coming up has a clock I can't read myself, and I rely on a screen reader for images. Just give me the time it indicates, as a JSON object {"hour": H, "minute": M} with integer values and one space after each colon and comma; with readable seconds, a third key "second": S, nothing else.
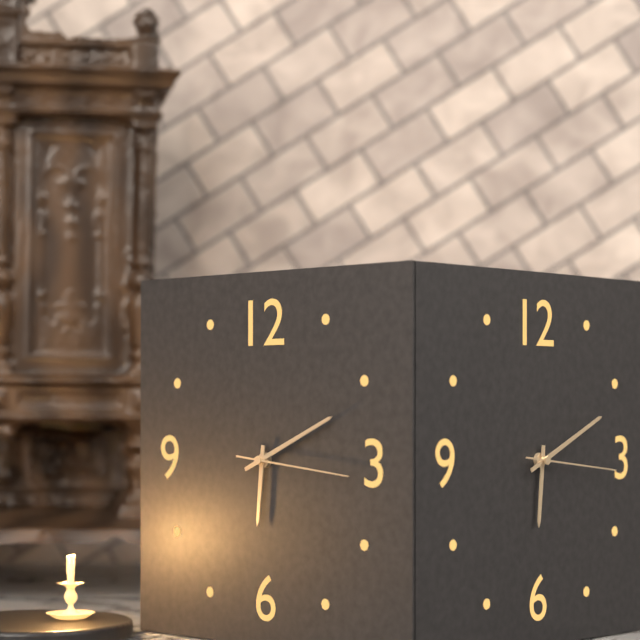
{"hour": 6, "minute": 11, "second": 16}
